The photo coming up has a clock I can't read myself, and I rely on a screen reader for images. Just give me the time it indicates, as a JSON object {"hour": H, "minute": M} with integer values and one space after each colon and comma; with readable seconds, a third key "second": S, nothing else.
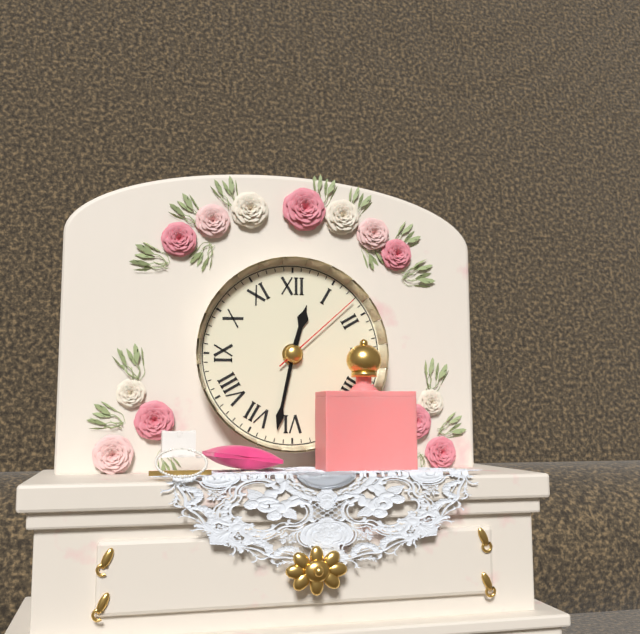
{"hour": 12, "minute": 32, "second": 8}
